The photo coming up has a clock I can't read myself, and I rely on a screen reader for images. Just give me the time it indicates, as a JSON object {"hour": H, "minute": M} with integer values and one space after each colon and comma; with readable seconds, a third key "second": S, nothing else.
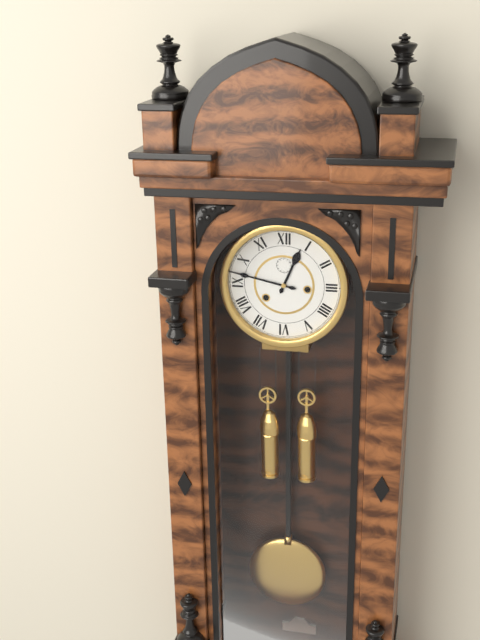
{"hour": 12, "minute": 47}
